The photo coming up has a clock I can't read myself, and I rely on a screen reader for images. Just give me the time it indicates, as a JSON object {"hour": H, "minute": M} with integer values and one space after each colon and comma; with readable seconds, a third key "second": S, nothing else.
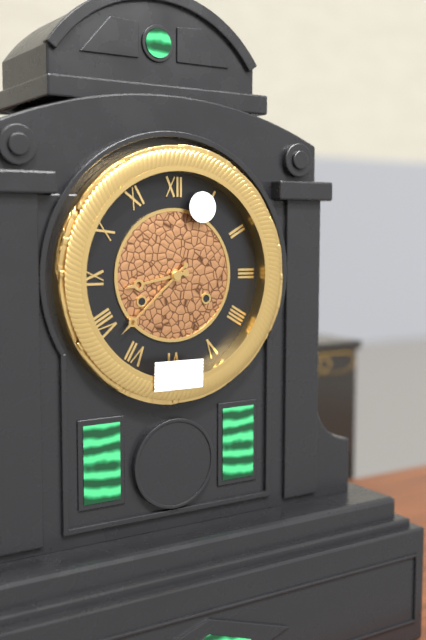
{"hour": 8, "minute": 38}
